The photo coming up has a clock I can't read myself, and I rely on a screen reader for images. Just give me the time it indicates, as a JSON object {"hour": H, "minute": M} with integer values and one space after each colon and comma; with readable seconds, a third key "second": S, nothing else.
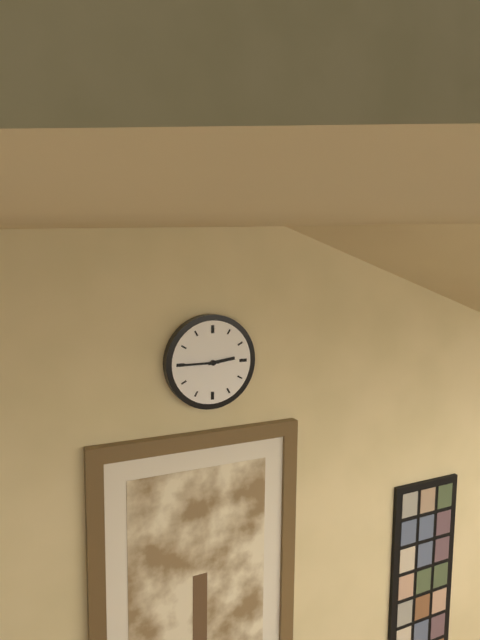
{"hour": 2, "minute": 45}
